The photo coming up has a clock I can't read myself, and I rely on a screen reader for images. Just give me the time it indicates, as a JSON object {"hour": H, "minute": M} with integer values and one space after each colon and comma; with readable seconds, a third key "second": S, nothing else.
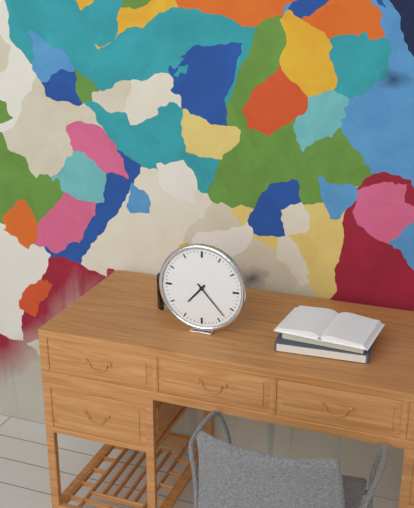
{"hour": 7, "minute": 23}
